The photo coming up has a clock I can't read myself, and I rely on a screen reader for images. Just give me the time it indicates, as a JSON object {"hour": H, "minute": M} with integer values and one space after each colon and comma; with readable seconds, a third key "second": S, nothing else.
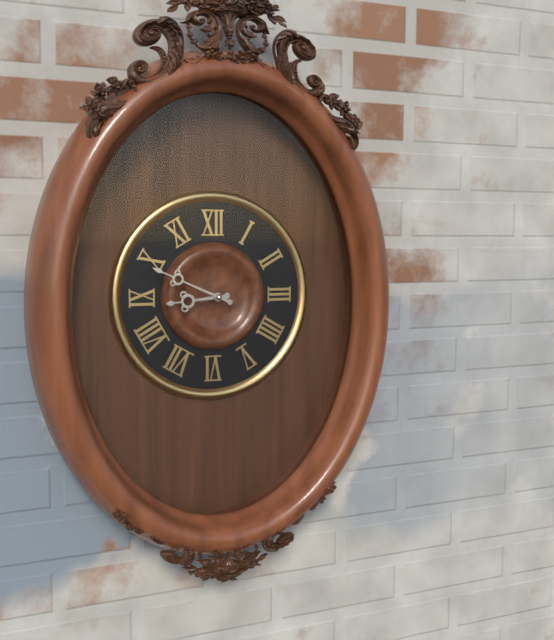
{"hour": 8, "minute": 49}
